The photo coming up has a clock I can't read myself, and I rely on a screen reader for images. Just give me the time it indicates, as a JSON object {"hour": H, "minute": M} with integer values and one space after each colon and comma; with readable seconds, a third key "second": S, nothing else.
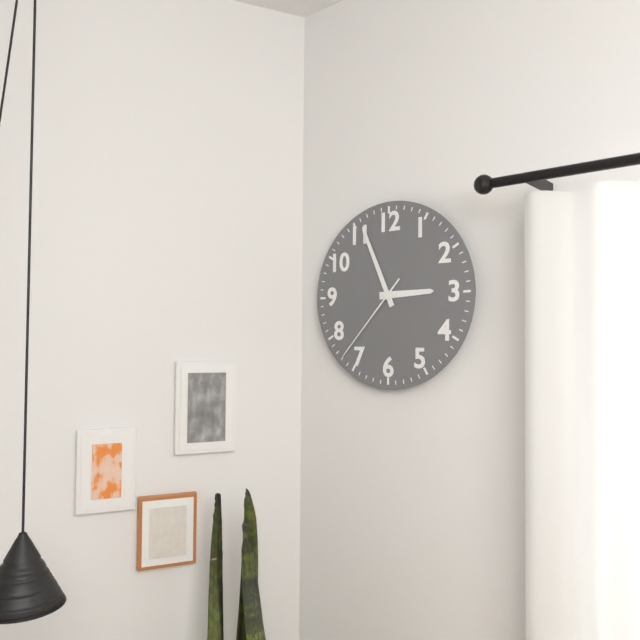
{"hour": 2, "minute": 56, "second": 37}
